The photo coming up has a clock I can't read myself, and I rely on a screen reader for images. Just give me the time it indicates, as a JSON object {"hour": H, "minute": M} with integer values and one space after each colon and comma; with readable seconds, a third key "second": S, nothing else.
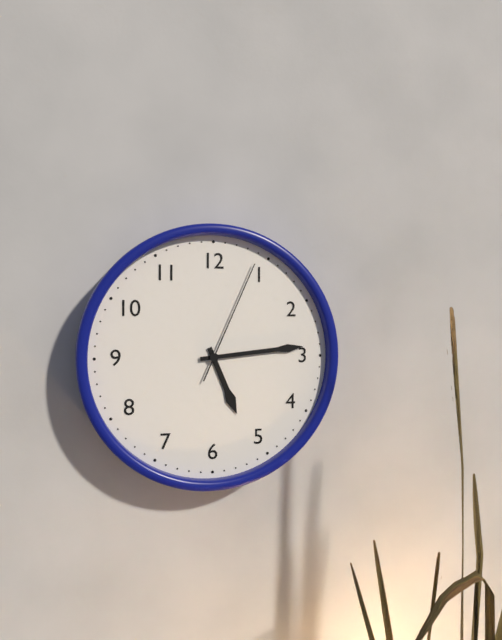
{"hour": 5, "minute": 14, "second": 4}
